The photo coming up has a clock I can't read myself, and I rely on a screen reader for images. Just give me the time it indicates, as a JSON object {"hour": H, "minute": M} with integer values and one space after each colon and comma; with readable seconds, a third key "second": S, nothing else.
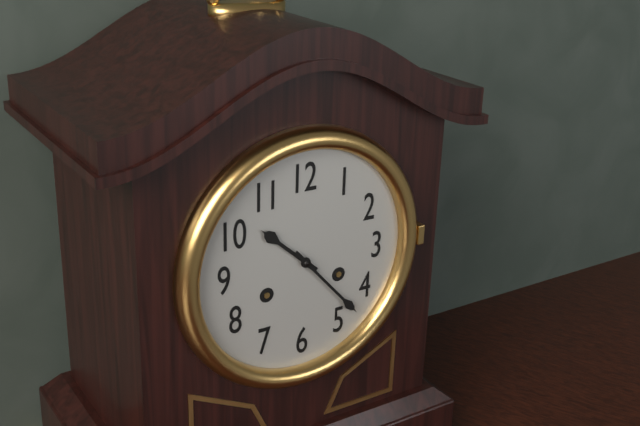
{"hour": 10, "minute": 23}
